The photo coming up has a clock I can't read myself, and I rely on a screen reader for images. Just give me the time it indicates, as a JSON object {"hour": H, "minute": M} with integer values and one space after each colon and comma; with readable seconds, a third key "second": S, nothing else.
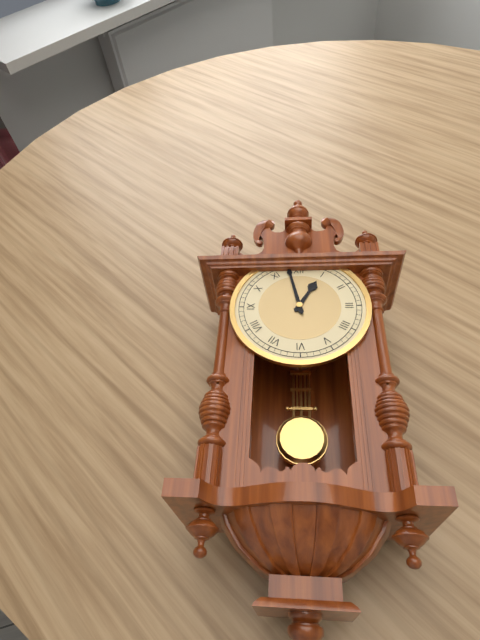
{"hour": 12, "minute": 58}
